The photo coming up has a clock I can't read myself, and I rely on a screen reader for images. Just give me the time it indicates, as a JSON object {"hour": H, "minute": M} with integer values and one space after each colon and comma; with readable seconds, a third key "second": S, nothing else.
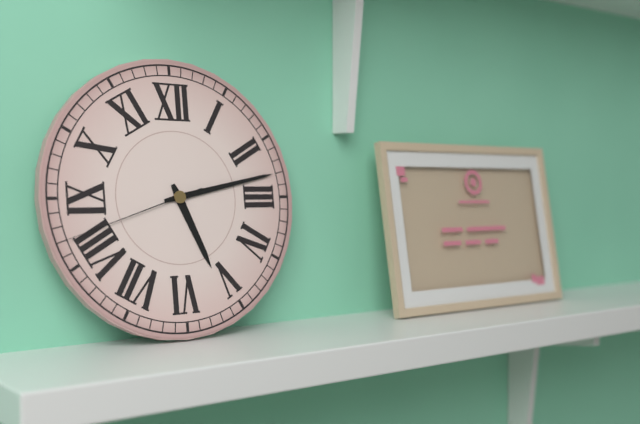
{"hour": 5, "minute": 13, "second": 42}
